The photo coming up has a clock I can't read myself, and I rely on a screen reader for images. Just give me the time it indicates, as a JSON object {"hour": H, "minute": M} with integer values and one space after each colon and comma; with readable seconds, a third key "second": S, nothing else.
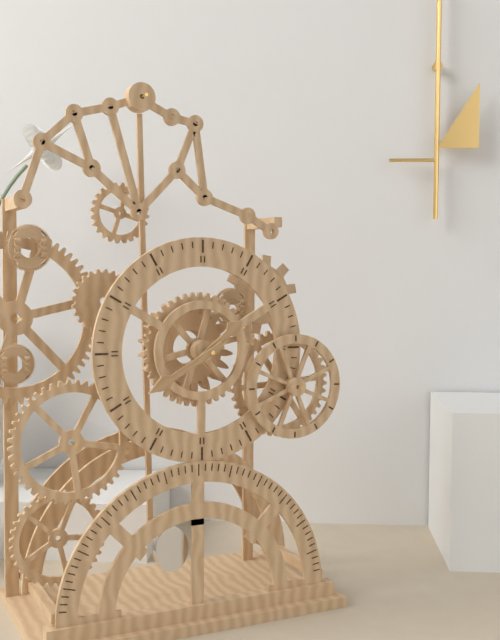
{"hour": 1, "minute": 40}
